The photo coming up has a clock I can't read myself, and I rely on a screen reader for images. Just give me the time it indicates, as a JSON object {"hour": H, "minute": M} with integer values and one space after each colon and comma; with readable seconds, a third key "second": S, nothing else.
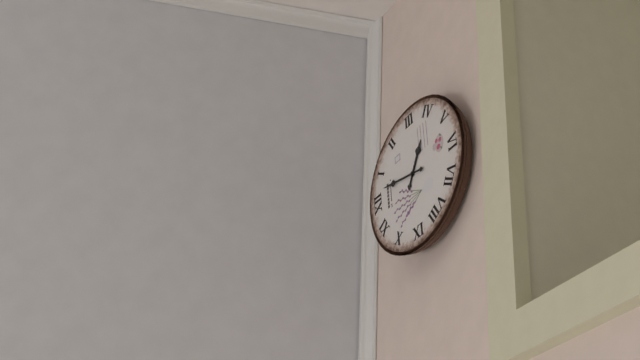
{"hour": 4, "minute": 2}
